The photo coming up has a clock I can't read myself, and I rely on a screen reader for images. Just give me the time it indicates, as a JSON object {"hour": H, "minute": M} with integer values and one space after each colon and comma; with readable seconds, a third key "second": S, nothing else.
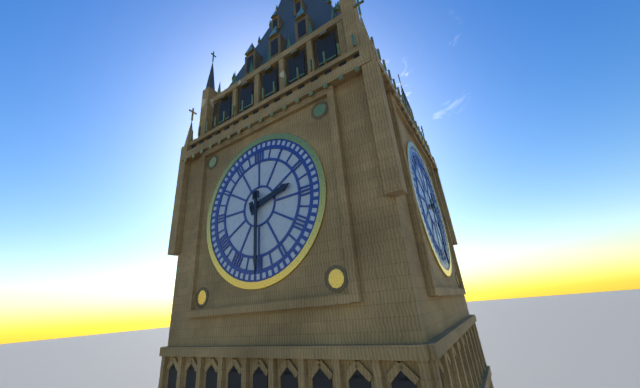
{"hour": 2, "minute": 30}
